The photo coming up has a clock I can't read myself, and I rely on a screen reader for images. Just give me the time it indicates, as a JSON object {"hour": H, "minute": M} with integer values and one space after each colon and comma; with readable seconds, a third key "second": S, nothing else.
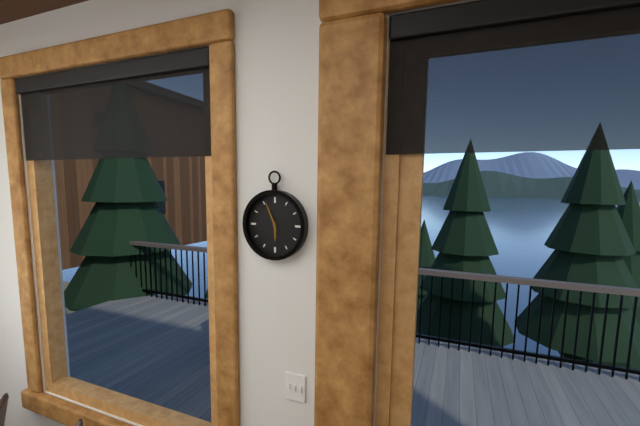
{"hour": 5, "minute": 56}
